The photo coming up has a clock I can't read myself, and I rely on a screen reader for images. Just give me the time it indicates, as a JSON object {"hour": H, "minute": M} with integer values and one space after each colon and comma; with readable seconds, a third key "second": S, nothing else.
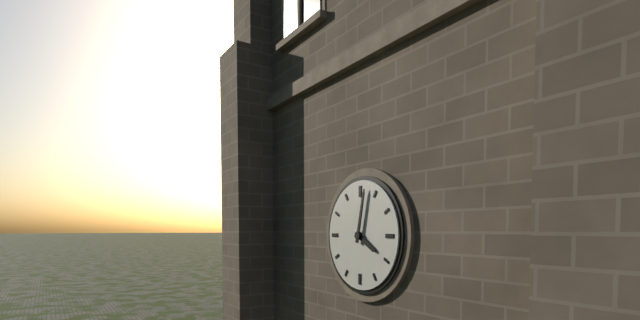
{"hour": 4, "minute": 2}
